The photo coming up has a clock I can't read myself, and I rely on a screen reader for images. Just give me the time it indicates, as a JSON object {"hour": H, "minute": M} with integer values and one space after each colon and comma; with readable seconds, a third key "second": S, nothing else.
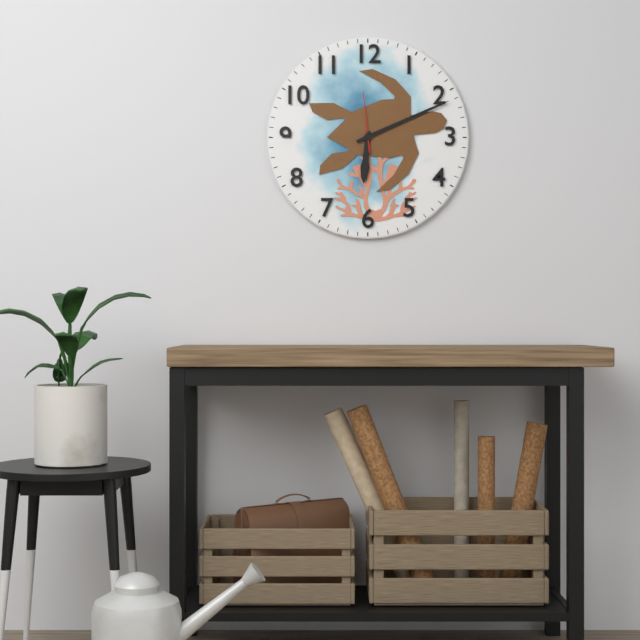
{"hour": 6, "minute": 11, "second": 59}
